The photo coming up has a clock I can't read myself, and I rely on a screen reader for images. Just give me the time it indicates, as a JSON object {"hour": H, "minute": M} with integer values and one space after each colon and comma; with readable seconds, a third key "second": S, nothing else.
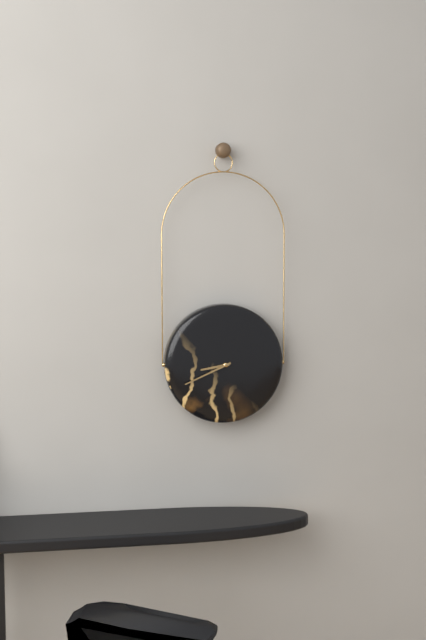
{"hour": 8, "minute": 41}
